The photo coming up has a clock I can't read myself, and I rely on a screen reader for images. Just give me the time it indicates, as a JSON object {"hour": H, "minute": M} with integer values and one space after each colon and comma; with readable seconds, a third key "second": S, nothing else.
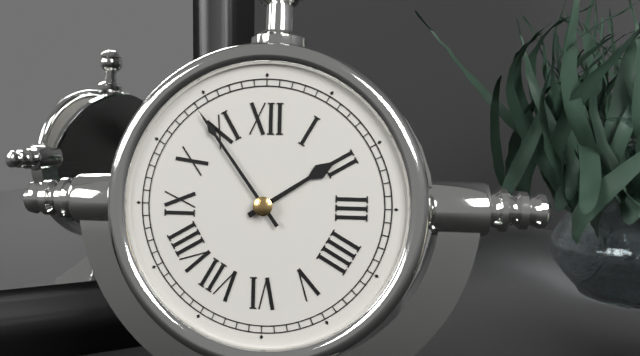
{"hour": 1, "minute": 54}
